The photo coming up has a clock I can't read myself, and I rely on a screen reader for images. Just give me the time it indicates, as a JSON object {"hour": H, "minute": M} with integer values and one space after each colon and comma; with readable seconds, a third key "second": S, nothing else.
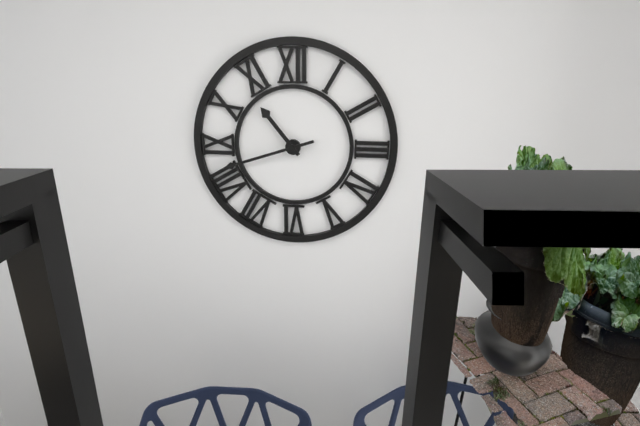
{"hour": 10, "minute": 42}
